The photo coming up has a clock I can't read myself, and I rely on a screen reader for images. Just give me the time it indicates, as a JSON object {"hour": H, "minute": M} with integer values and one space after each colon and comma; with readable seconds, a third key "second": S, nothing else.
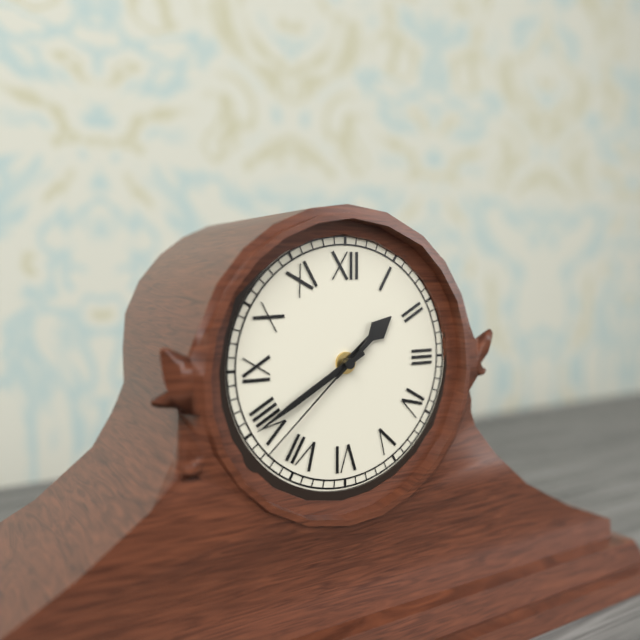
{"hour": 1, "minute": 40, "second": 38}
